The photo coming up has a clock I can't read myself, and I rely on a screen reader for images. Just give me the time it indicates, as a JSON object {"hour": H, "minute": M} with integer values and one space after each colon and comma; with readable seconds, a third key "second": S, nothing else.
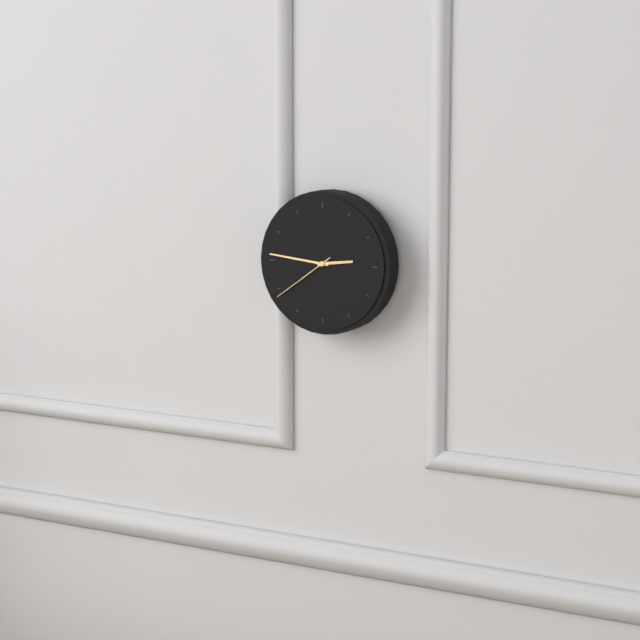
{"hour": 2, "minute": 46, "second": 39}
